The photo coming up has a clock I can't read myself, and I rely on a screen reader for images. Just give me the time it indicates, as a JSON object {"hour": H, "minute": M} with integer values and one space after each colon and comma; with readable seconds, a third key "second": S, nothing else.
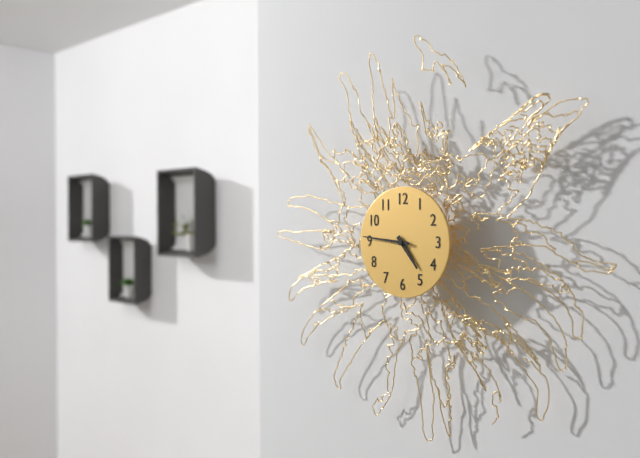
{"hour": 4, "minute": 46}
